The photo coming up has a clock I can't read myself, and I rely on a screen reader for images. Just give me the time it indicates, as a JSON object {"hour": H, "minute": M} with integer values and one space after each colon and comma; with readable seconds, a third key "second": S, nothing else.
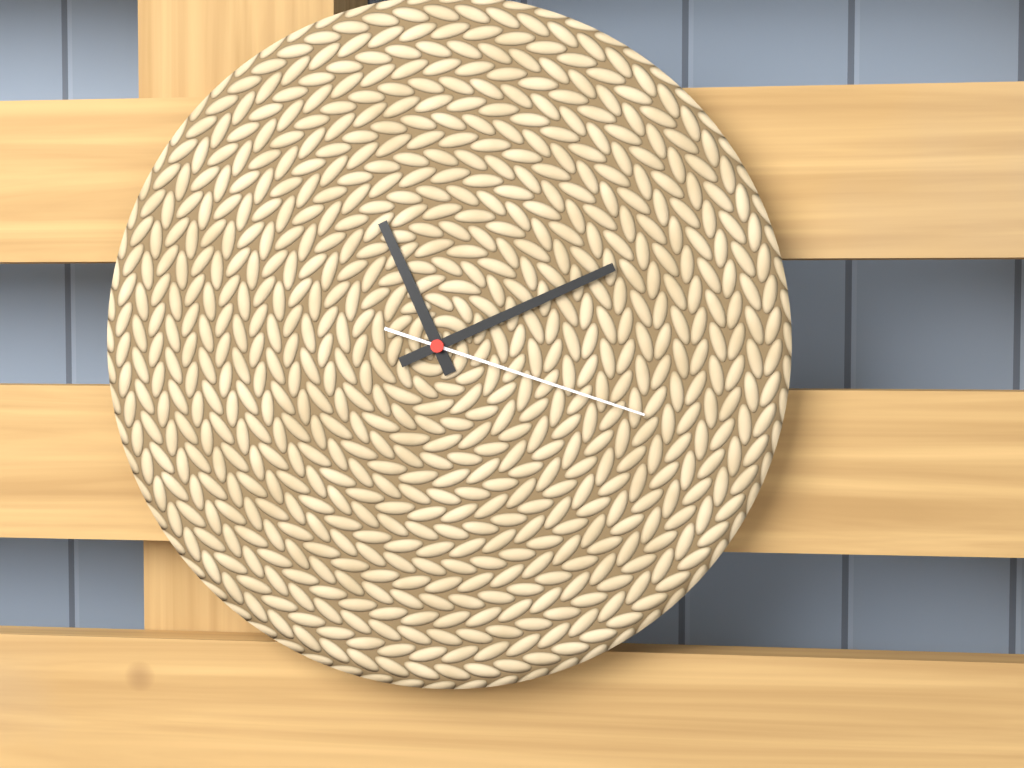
{"hour": 11, "minute": 11, "second": 18}
